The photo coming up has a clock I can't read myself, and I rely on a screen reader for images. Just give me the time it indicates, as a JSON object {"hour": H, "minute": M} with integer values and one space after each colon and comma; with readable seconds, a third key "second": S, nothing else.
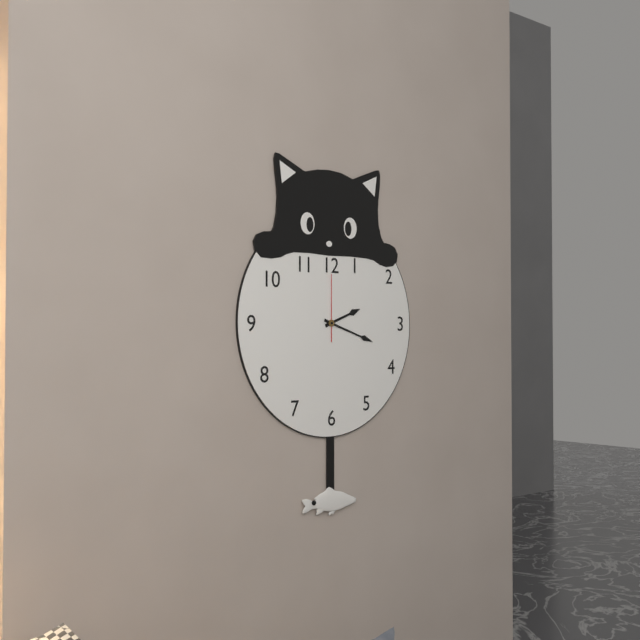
{"hour": 2, "minute": 18, "second": 0}
